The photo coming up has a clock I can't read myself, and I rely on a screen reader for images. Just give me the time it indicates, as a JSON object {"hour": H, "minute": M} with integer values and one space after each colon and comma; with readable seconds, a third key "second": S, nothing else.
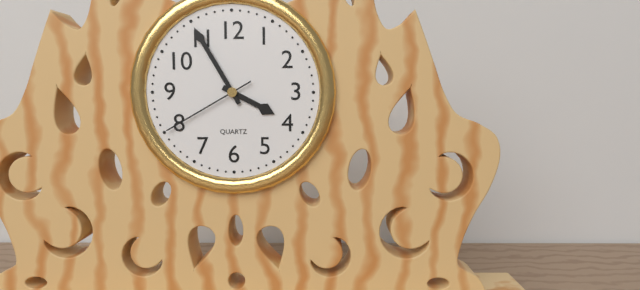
{"hour": 3, "minute": 55, "second": 40}
